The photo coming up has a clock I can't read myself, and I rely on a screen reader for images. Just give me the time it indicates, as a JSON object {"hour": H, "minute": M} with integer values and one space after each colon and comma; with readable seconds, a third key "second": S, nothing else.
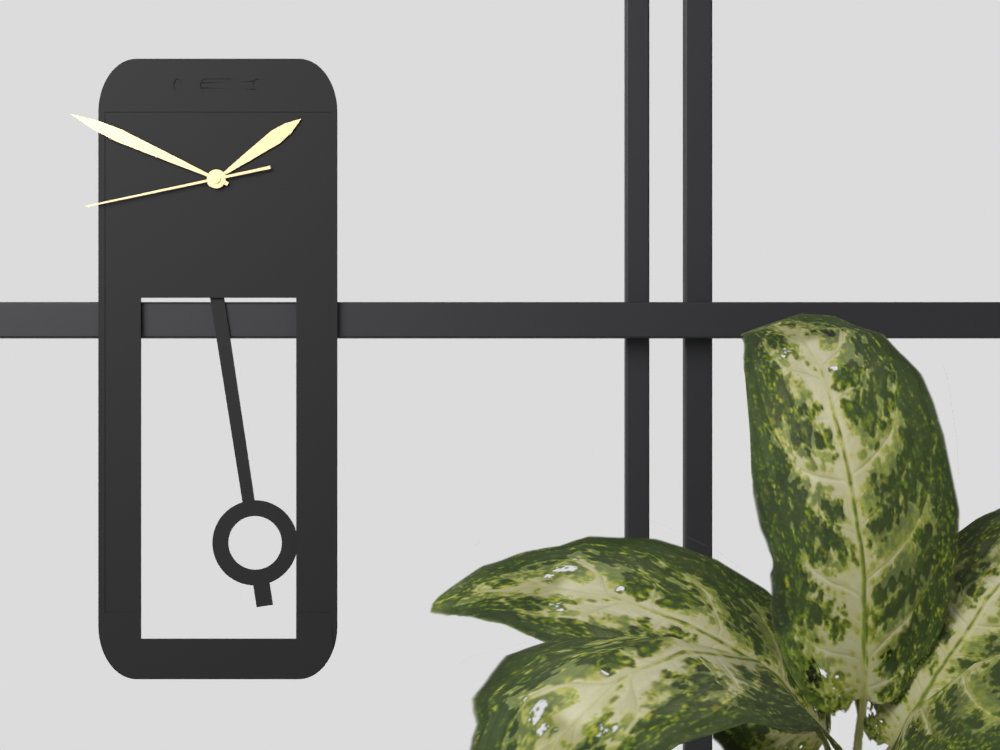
{"hour": 1, "minute": 49, "second": 43}
